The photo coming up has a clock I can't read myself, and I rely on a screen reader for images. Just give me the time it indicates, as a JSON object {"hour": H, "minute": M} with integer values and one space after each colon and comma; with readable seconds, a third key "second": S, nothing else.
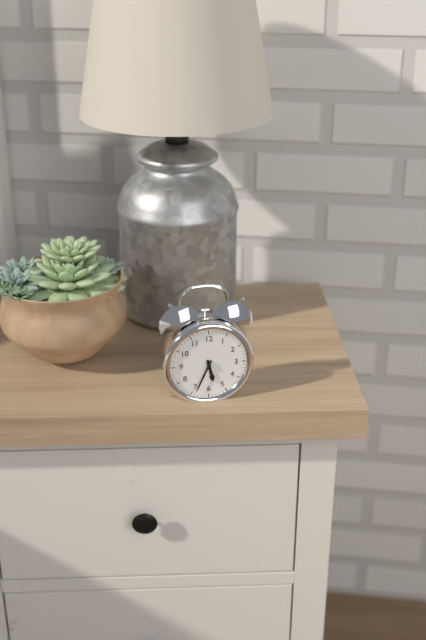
{"hour": 5, "minute": 34}
